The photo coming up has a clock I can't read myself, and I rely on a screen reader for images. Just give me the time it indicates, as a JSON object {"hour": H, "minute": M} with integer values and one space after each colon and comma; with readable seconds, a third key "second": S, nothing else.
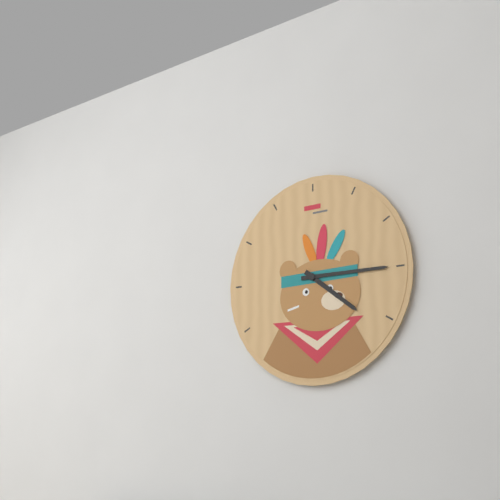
{"hour": 4, "minute": 15}
